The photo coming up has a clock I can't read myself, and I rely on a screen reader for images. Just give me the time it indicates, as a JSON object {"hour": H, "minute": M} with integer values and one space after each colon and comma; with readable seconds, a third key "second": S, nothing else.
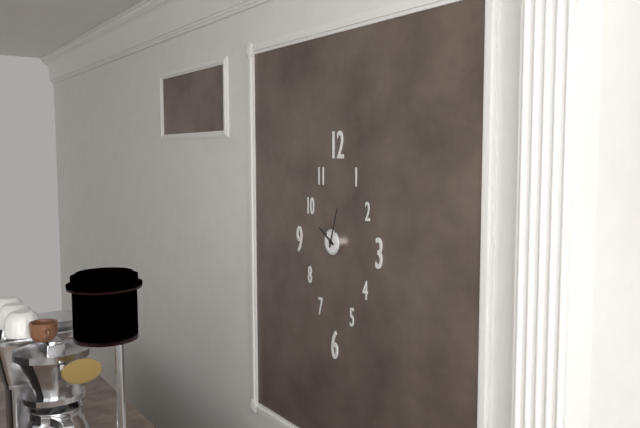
{"hour": 10, "minute": 3}
